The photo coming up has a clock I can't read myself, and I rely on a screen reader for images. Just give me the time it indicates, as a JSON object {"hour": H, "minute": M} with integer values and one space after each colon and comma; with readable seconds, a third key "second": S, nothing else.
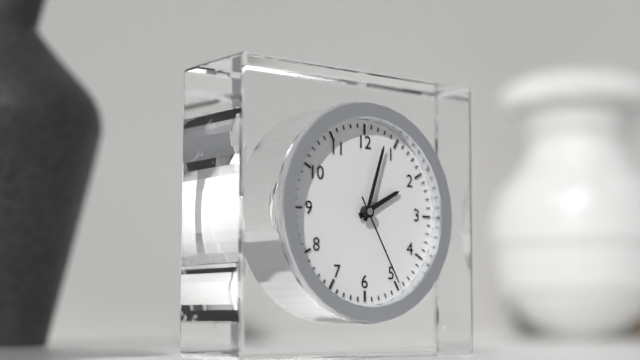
{"hour": 2, "minute": 3, "second": 25}
